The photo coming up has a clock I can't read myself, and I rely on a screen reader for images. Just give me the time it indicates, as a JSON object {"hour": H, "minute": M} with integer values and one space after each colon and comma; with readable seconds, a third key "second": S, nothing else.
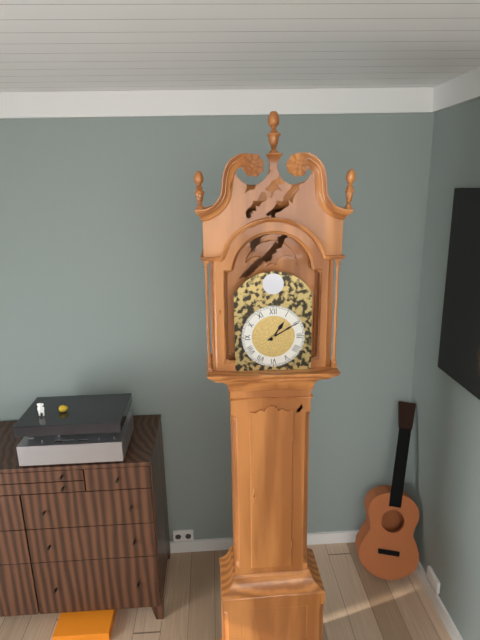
{"hour": 1, "minute": 10}
